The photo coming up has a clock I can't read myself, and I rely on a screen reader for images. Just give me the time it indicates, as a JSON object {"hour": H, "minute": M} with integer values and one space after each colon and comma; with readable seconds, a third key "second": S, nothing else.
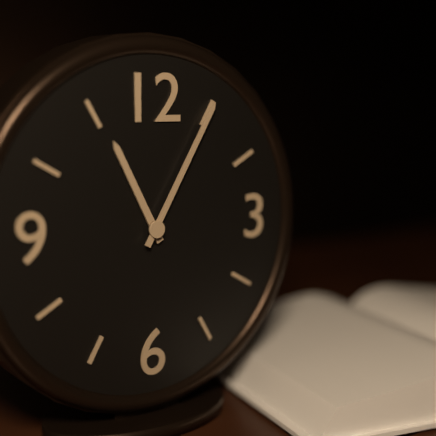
{"hour": 11, "minute": 5}
